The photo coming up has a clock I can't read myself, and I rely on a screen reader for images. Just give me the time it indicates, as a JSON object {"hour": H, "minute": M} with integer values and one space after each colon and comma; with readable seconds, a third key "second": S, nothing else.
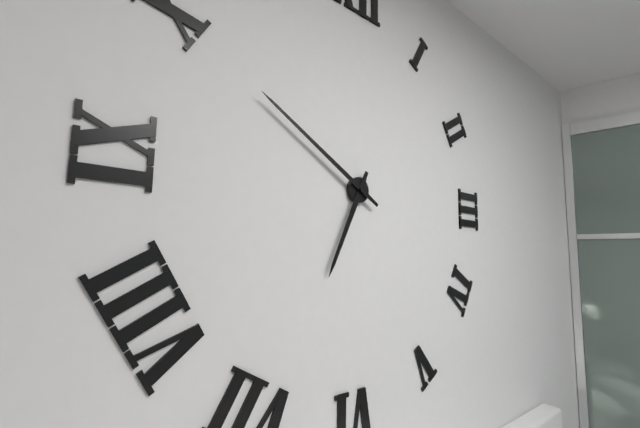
{"hour": 6, "minute": 50}
